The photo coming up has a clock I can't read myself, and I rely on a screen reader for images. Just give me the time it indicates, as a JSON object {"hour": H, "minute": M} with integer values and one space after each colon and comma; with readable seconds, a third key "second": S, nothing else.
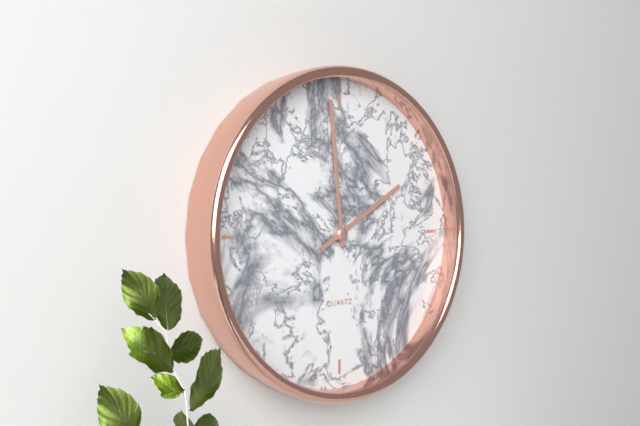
{"hour": 1, "minute": 59}
